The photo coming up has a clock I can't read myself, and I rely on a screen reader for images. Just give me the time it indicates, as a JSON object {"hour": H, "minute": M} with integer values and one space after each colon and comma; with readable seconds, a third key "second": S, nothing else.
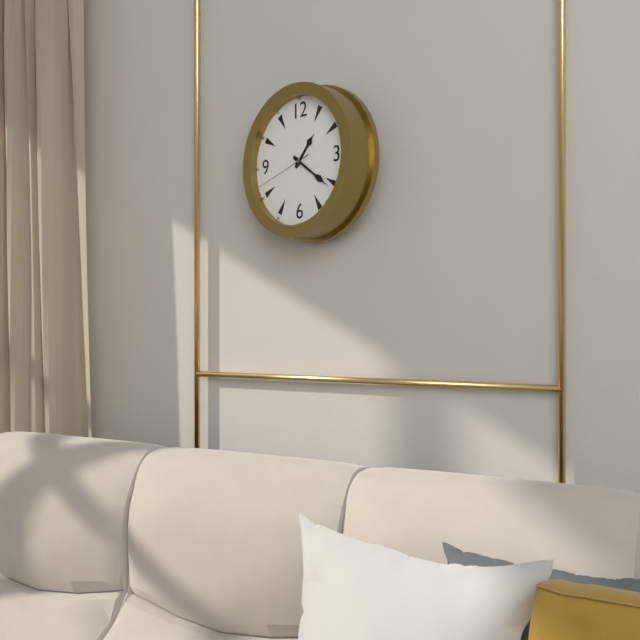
{"hour": 1, "minute": 21, "second": 42}
